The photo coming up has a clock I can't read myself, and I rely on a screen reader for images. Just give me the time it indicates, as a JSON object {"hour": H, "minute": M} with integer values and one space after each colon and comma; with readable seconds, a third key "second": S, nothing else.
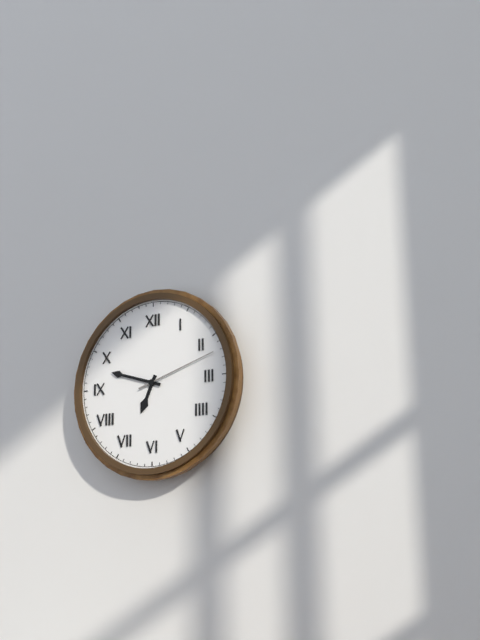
{"hour": 6, "minute": 48, "second": 12}
